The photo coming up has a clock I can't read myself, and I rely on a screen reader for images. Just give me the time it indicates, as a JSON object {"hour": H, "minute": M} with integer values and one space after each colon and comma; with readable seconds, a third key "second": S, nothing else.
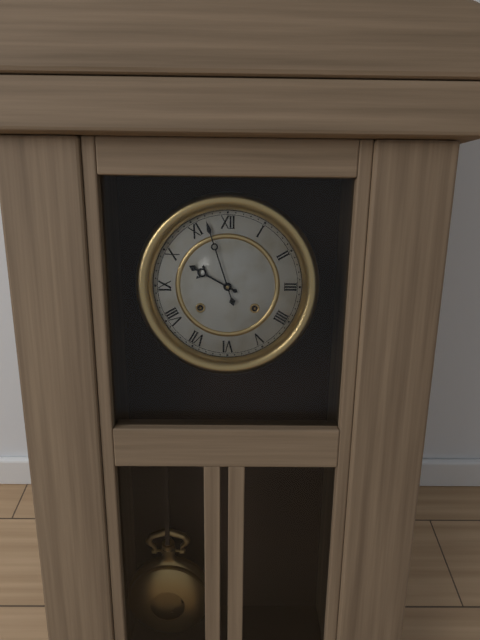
{"hour": 9, "minute": 57}
